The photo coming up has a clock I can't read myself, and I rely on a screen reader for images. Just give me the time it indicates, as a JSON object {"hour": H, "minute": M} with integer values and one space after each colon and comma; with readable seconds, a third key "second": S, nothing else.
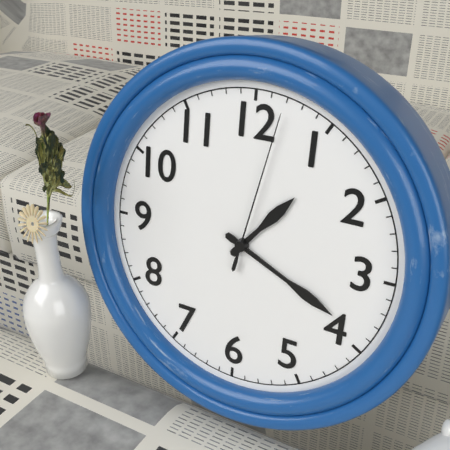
{"hour": 1, "minute": 19, "second": 2}
